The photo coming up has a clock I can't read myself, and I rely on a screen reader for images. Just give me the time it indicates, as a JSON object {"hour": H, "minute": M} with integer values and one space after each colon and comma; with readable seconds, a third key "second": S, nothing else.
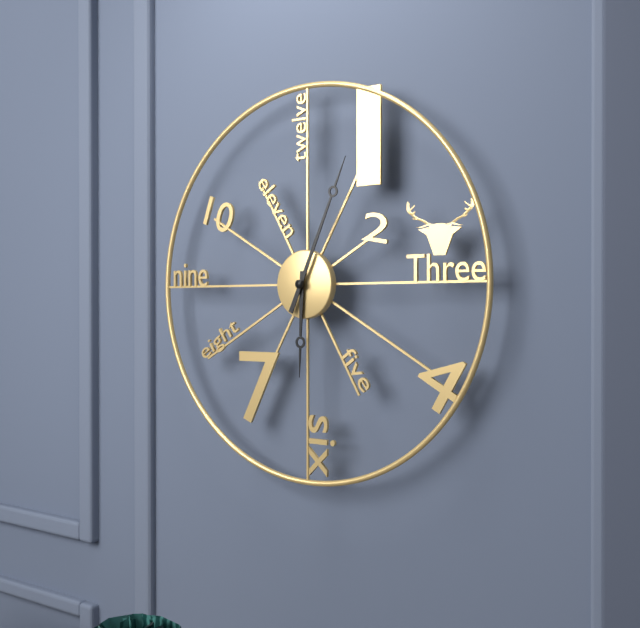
{"hour": 6, "minute": 4}
